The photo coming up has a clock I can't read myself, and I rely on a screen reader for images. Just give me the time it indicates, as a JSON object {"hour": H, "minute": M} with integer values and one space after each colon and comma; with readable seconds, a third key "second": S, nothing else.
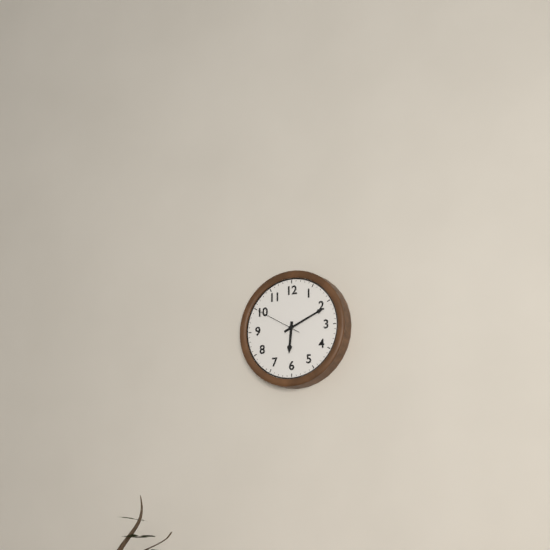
{"hour": 6, "minute": 11}
